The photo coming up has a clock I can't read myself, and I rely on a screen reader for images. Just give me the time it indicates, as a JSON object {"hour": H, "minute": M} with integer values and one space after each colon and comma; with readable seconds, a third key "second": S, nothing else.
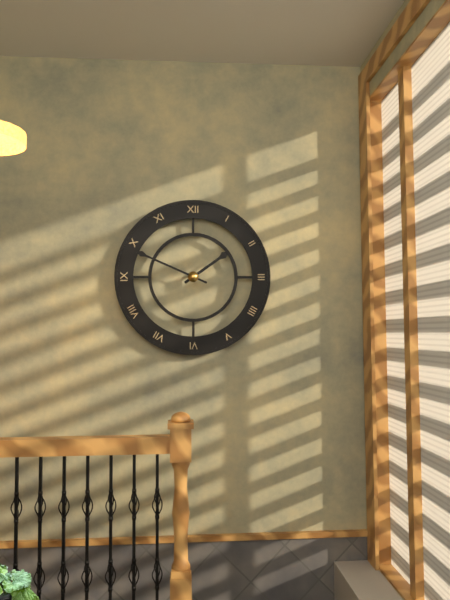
{"hour": 1, "minute": 49}
